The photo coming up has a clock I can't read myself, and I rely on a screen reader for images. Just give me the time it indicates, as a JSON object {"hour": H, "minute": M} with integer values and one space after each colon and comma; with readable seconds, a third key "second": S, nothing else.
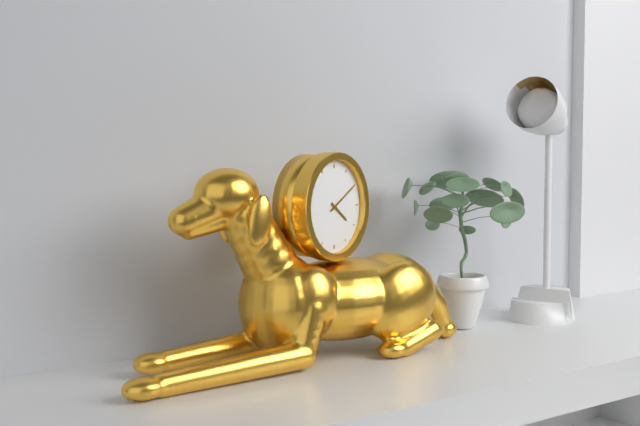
{"hour": 4, "minute": 10}
